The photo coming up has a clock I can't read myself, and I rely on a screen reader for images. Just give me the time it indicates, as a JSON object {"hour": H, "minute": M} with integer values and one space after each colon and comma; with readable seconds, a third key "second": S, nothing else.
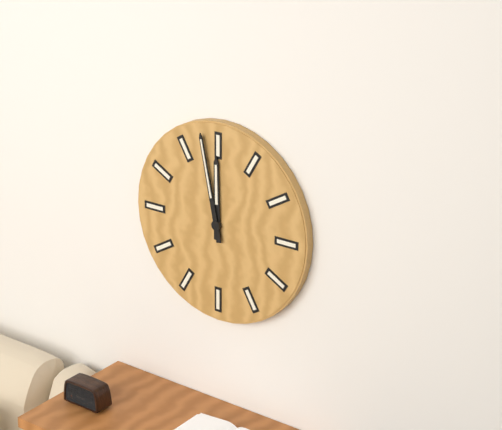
{"hour": 11, "minute": 58}
